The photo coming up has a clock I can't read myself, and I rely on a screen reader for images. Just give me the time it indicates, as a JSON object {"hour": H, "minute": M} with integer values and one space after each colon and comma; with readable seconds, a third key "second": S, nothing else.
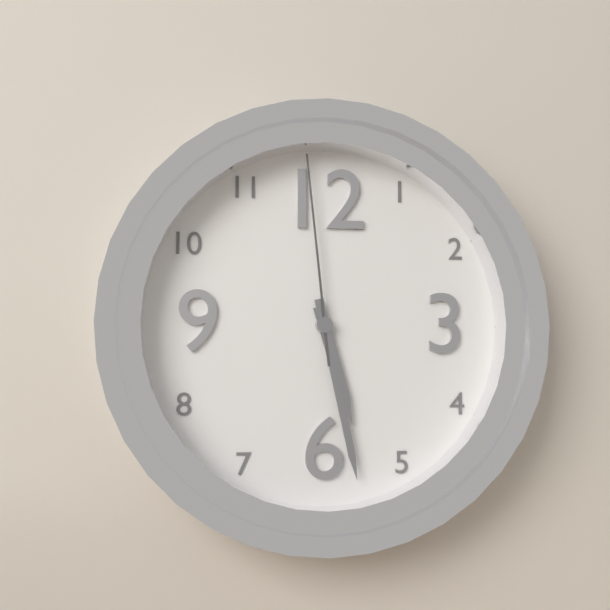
{"hour": 5, "minute": 28, "second": 59}
